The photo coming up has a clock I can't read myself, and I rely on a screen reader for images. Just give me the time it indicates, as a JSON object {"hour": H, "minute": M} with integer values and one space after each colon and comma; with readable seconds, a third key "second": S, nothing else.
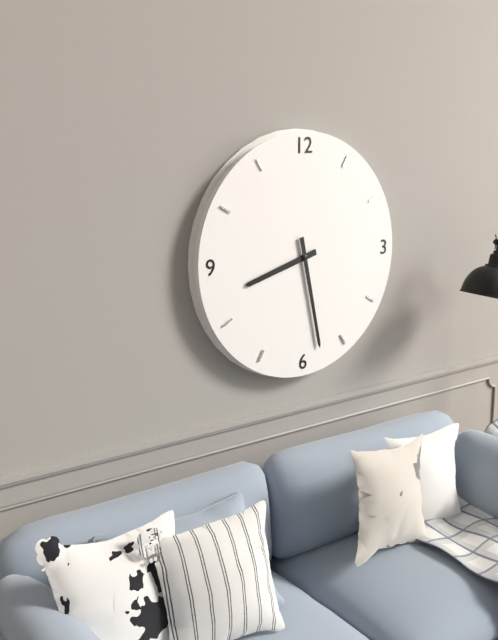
{"hour": 8, "minute": 28}
